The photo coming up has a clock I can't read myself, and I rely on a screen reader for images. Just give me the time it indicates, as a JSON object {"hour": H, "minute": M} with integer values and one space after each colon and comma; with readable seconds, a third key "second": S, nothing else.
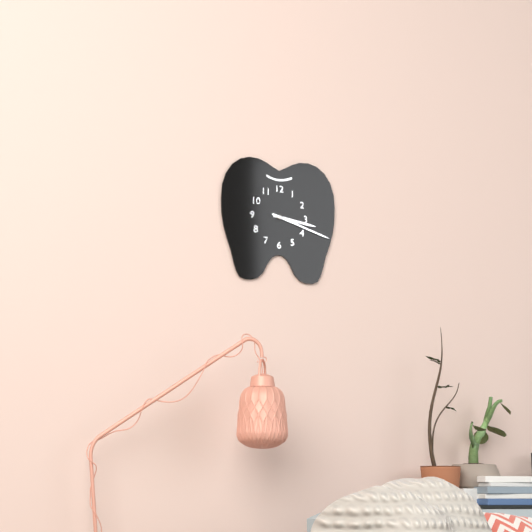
{"hour": 3, "minute": 18}
